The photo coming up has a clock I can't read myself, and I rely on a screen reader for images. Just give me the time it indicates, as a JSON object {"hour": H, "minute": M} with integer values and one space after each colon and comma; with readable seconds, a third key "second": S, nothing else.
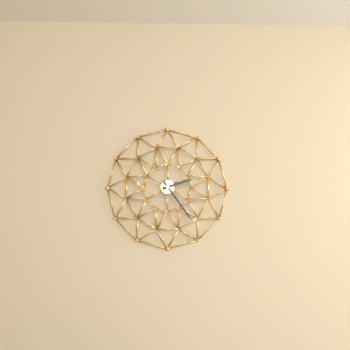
{"hour": 2, "minute": 24}
